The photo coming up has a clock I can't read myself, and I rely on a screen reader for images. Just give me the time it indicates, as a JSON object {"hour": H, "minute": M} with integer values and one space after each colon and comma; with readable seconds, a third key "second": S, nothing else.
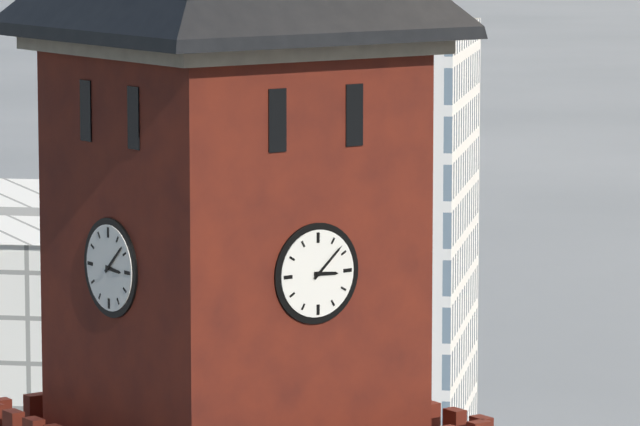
{"hour": 3, "minute": 8}
